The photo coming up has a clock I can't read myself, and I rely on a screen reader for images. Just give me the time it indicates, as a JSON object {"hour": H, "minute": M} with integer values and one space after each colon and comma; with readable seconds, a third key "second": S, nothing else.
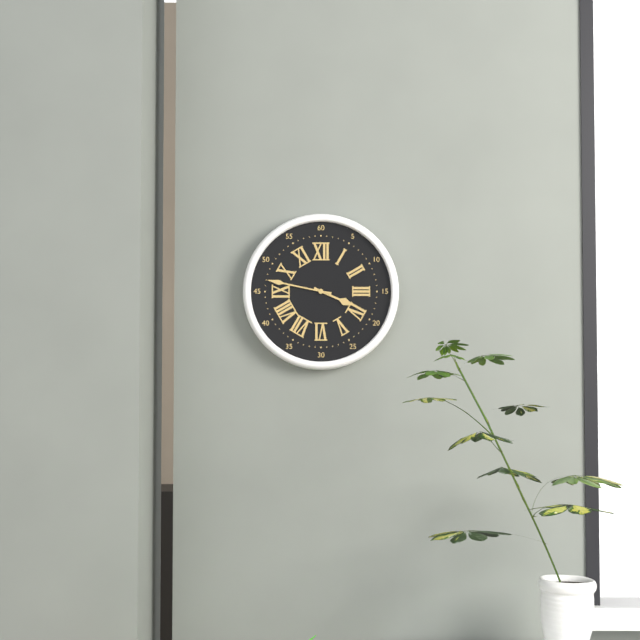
{"hour": 3, "minute": 47}
